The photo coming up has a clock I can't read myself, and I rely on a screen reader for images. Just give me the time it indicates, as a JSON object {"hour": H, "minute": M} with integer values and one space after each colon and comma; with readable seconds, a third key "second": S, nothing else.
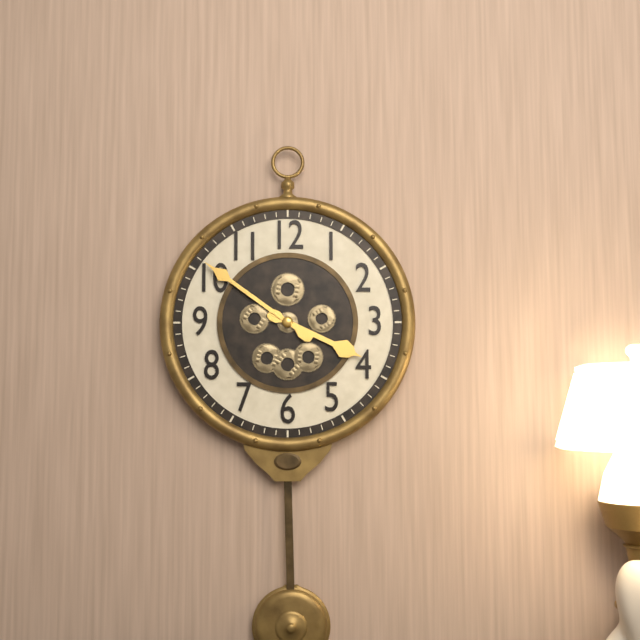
{"hour": 3, "minute": 51}
